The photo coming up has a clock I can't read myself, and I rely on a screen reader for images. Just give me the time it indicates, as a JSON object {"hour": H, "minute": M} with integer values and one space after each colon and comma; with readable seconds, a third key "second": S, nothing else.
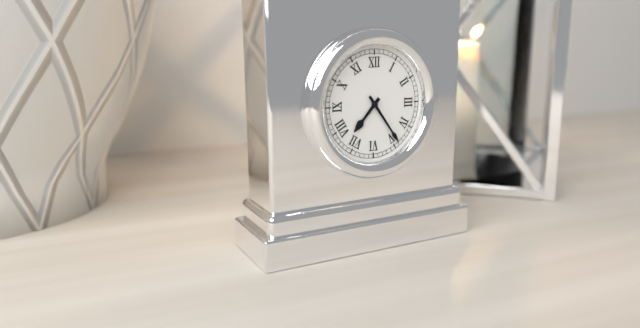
{"hour": 7, "minute": 24}
